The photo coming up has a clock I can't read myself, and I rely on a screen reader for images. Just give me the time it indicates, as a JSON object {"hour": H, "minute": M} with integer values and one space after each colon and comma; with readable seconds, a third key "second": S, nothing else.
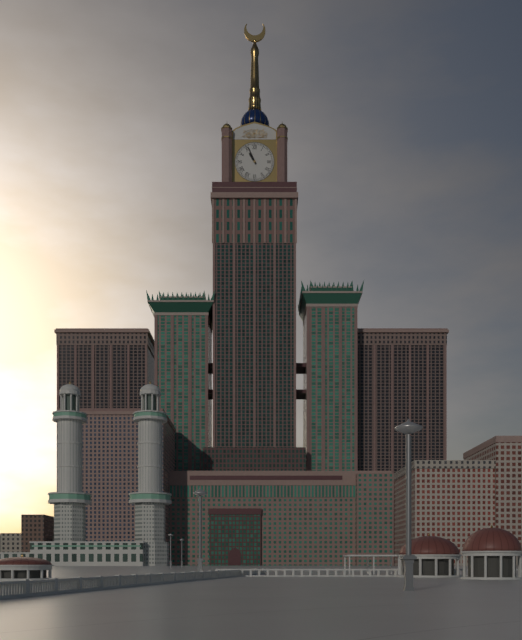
{"hour": 10, "minute": 56}
